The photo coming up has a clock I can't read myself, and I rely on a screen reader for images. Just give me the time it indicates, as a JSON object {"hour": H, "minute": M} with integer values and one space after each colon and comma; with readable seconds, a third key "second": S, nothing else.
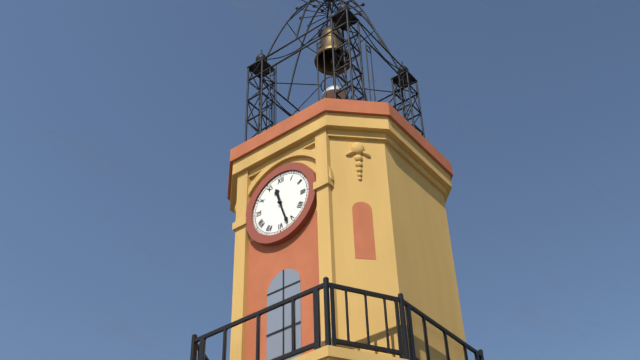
{"hour": 11, "minute": 27}
